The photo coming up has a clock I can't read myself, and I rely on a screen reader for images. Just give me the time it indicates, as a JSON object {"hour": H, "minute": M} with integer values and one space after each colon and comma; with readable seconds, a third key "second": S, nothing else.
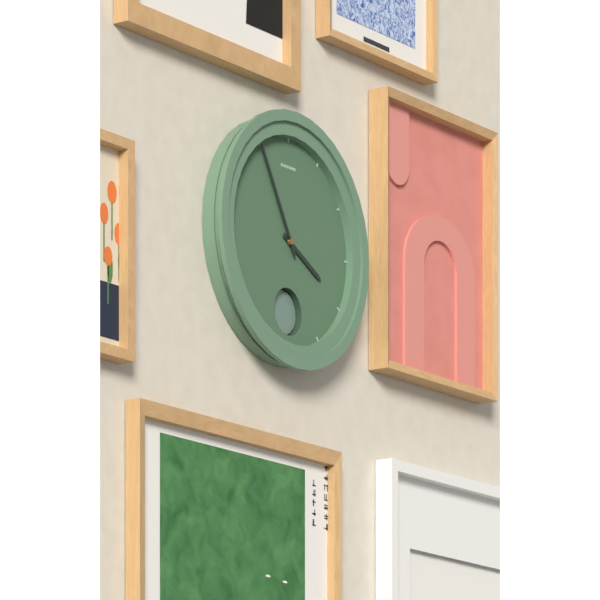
{"hour": 3, "minute": 55}
